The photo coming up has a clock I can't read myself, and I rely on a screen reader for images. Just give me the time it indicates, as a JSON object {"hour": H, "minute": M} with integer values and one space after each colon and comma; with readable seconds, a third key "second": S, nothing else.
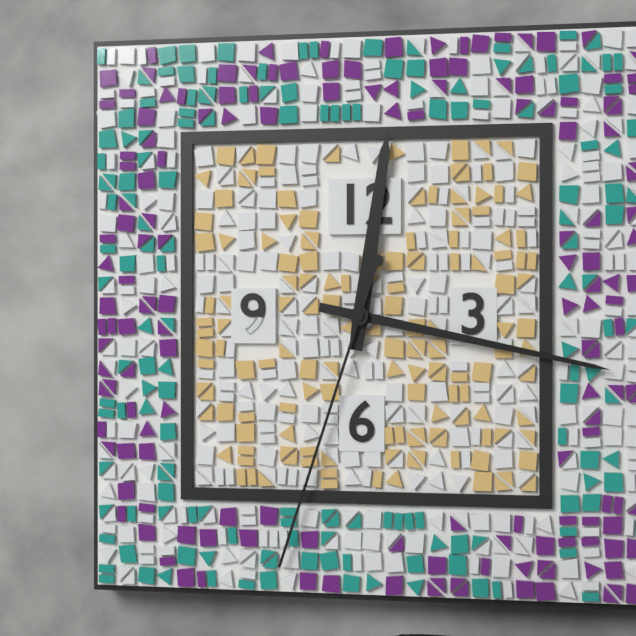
{"hour": 12, "minute": 17, "second": 33}
